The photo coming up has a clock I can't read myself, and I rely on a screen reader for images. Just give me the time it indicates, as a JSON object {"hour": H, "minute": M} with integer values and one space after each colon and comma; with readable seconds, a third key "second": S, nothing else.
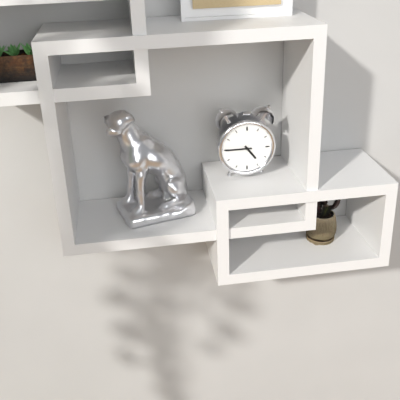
{"hour": 4, "minute": 45}
